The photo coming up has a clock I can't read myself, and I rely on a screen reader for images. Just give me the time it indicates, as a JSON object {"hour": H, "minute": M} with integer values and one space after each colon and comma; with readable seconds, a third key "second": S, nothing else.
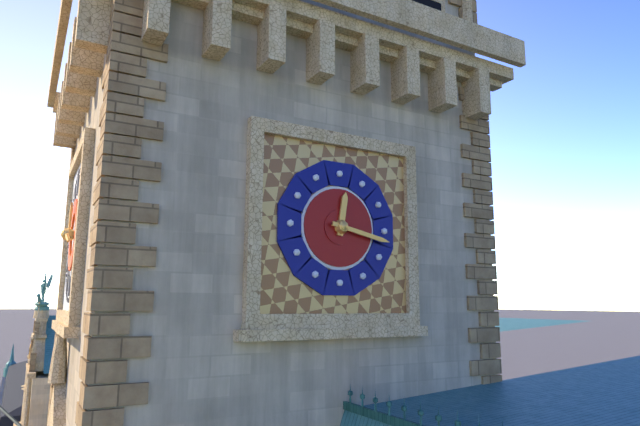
{"hour": 12, "minute": 17}
